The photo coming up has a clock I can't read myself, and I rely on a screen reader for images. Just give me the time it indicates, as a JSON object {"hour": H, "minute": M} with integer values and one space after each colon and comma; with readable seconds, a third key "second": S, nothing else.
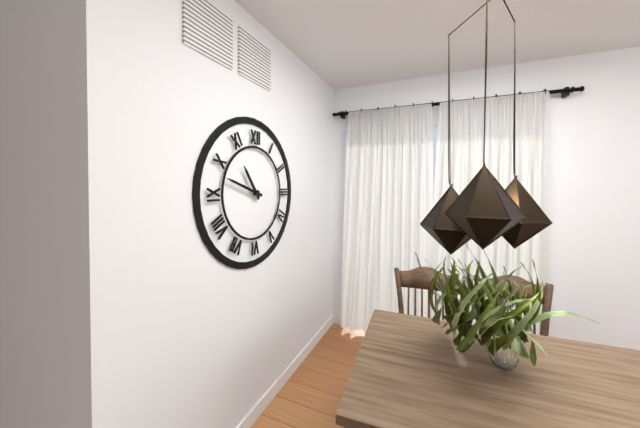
{"hour": 10, "minute": 48}
